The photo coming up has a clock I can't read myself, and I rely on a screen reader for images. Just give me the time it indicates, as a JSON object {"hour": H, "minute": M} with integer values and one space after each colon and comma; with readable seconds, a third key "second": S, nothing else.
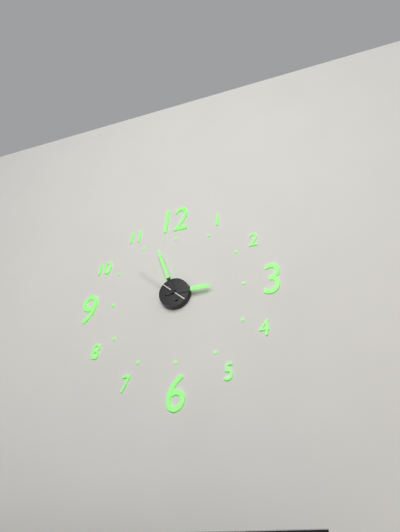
{"hour": 2, "minute": 57, "second": 52}
